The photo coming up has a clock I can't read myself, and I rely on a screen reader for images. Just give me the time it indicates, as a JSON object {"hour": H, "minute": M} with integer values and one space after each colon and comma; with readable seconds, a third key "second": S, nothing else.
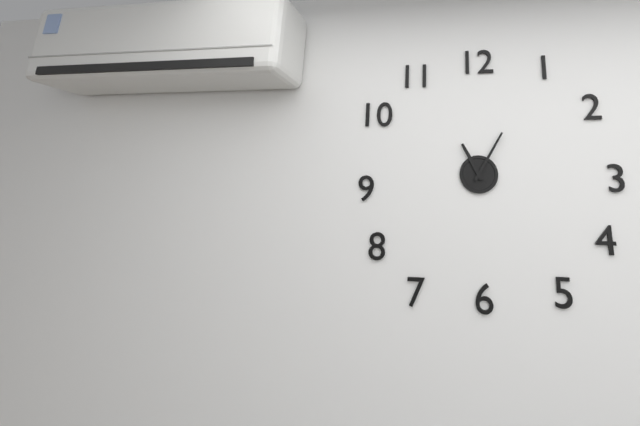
{"hour": 11, "minute": 5}
